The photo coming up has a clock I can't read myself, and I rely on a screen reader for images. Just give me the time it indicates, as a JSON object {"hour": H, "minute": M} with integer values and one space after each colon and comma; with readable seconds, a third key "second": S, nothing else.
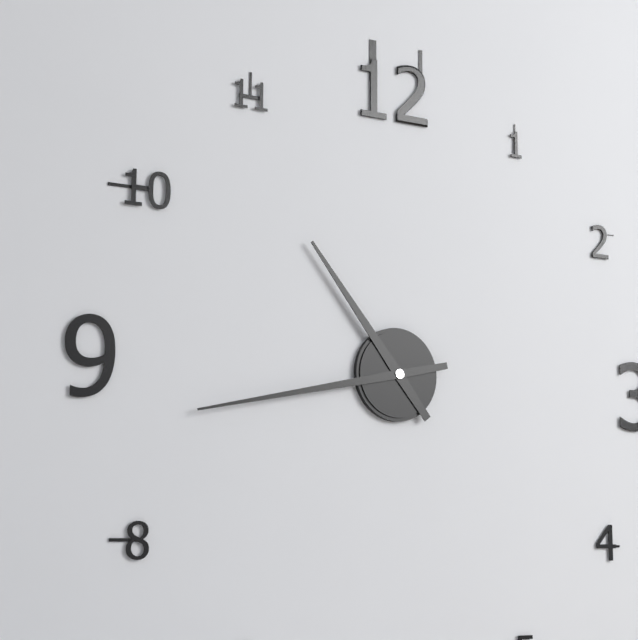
{"hour": 10, "minute": 43}
